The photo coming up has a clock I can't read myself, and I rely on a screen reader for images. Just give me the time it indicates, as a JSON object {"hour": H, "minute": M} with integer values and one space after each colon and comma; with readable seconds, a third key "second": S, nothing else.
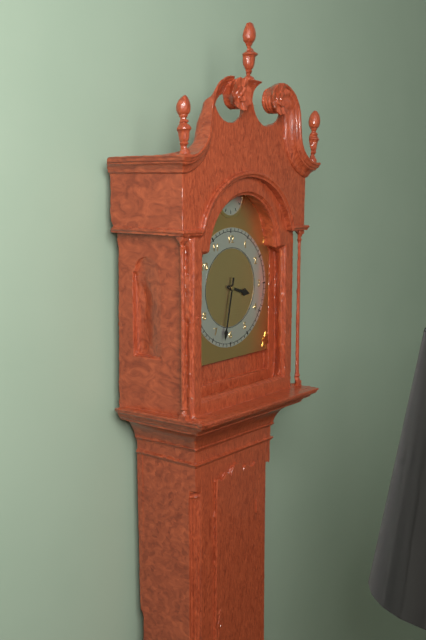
{"hour": 3, "minute": 32}
